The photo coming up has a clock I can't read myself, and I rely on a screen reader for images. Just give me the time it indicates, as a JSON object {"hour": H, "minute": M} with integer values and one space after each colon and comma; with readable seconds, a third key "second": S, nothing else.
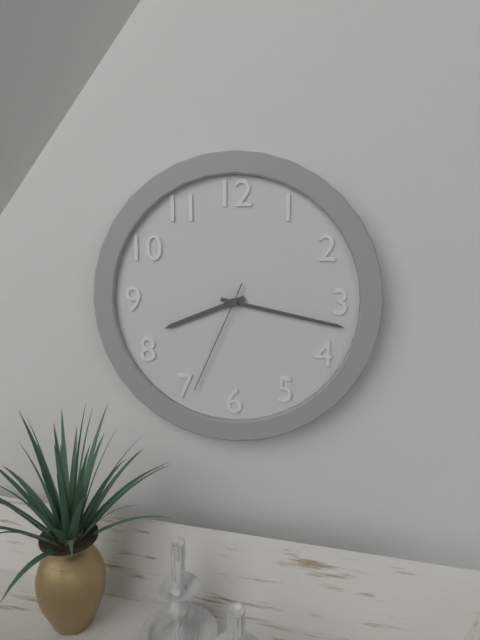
{"hour": 8, "minute": 17, "second": 34}
